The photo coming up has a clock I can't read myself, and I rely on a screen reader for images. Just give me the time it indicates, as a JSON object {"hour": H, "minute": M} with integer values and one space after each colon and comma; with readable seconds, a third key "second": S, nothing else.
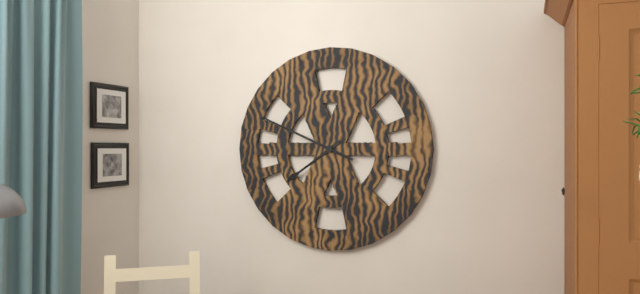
{"hour": 7, "minute": 49}
